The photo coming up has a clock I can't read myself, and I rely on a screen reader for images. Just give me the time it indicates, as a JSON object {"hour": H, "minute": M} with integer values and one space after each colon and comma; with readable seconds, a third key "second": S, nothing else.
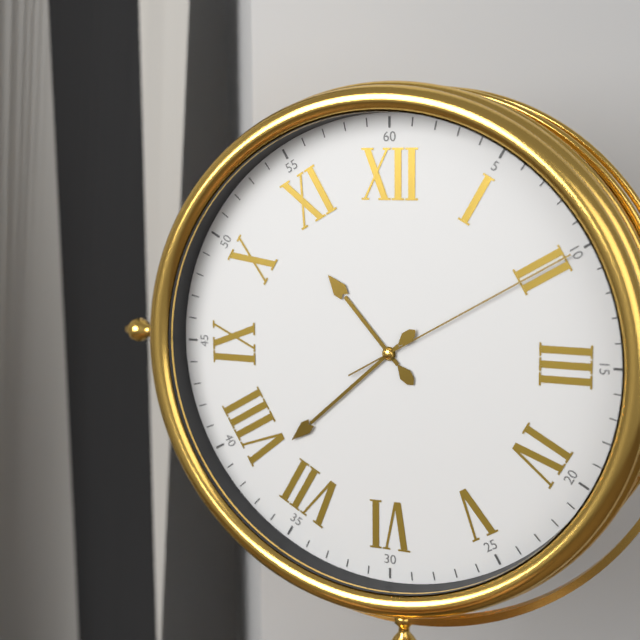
{"hour": 10, "minute": 38, "second": 10}
